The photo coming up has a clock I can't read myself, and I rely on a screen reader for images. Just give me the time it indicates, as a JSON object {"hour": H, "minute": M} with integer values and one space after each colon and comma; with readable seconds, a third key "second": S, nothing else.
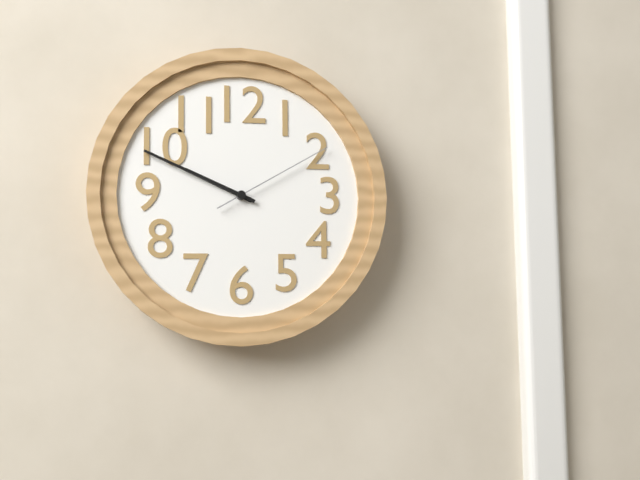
{"hour": 9, "minute": 49, "second": 10}
